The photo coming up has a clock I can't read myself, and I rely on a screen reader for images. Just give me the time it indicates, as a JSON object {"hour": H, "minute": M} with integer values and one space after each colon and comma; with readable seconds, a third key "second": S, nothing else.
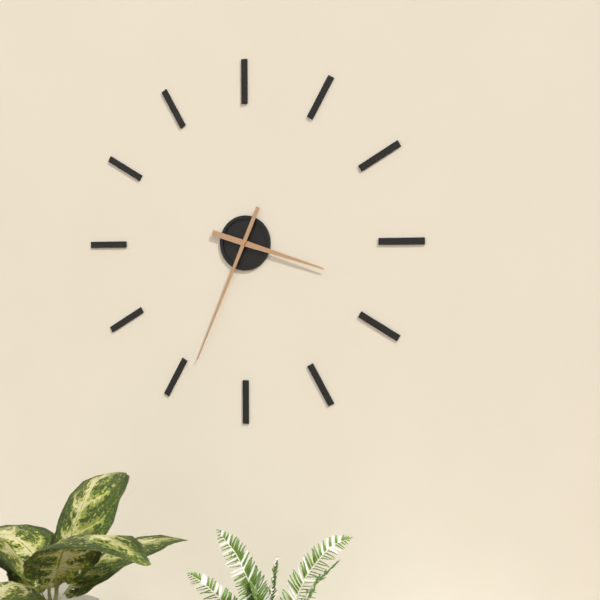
{"hour": 3, "minute": 34}
